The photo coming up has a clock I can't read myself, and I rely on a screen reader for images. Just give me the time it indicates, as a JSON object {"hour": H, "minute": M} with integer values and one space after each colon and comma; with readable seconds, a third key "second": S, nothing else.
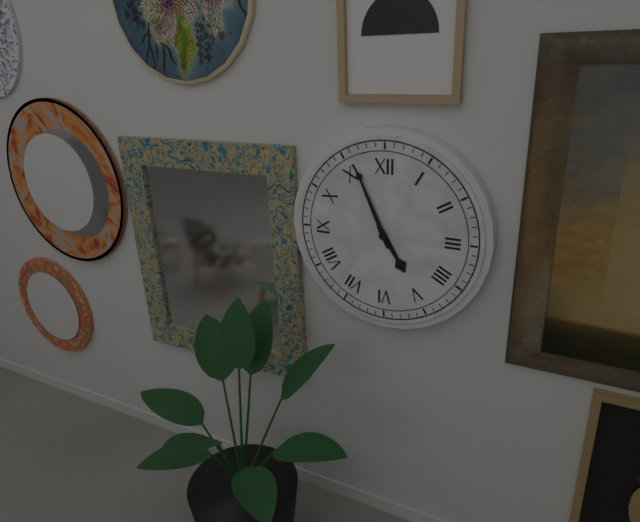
{"hour": 4, "minute": 56}
